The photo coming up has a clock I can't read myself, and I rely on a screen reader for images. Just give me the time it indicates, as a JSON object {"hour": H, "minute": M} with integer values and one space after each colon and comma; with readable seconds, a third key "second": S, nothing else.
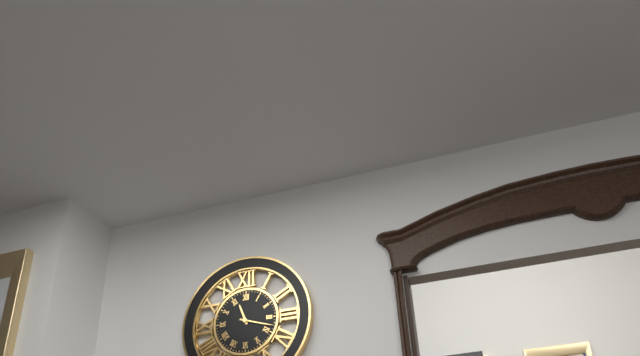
{"hour": 11, "minute": 18}
